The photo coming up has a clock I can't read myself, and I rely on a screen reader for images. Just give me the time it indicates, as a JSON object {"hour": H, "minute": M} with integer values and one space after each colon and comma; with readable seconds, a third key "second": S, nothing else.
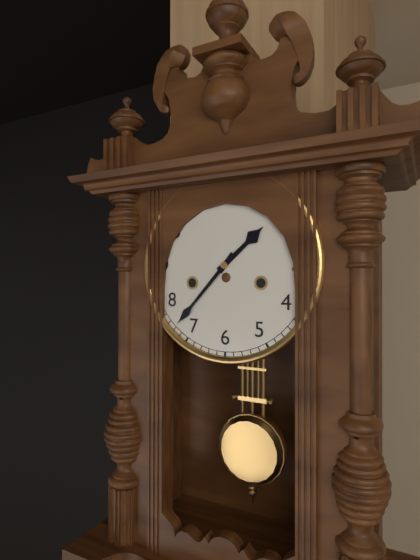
{"hour": 1, "minute": 37}
